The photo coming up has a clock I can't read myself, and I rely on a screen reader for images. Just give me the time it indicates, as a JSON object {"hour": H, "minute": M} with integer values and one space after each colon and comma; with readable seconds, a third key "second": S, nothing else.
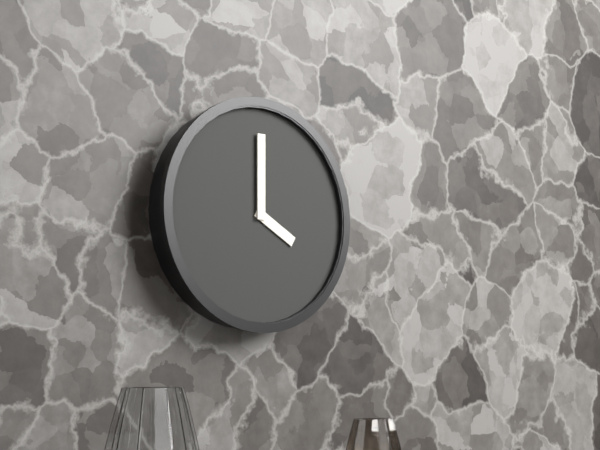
{"hour": 4, "minute": 0}
